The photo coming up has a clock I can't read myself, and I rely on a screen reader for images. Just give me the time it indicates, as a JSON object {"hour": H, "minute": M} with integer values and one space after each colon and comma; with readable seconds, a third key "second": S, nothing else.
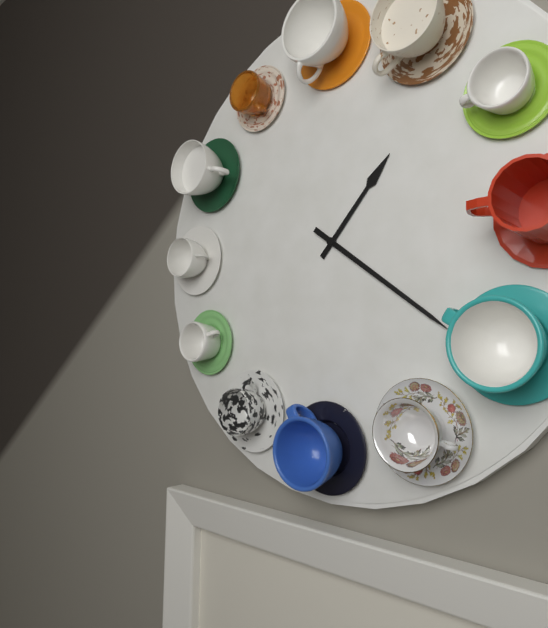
{"hour": 1, "minute": 21}
